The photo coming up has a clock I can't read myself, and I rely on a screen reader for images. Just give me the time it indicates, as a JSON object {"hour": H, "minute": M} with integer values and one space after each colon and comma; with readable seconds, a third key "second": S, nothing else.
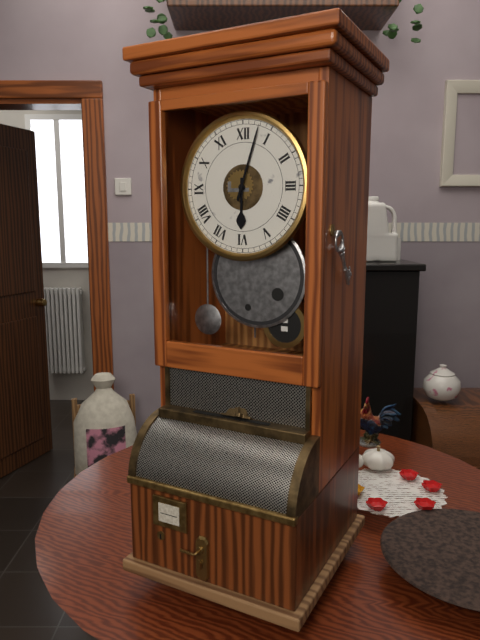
{"hour": 6, "minute": 3}
